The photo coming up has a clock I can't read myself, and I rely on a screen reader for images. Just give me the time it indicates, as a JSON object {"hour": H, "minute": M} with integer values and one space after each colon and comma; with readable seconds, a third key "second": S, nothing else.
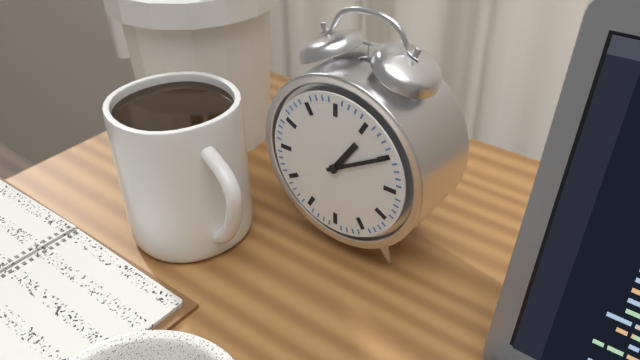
{"hour": 1, "minute": 10}
